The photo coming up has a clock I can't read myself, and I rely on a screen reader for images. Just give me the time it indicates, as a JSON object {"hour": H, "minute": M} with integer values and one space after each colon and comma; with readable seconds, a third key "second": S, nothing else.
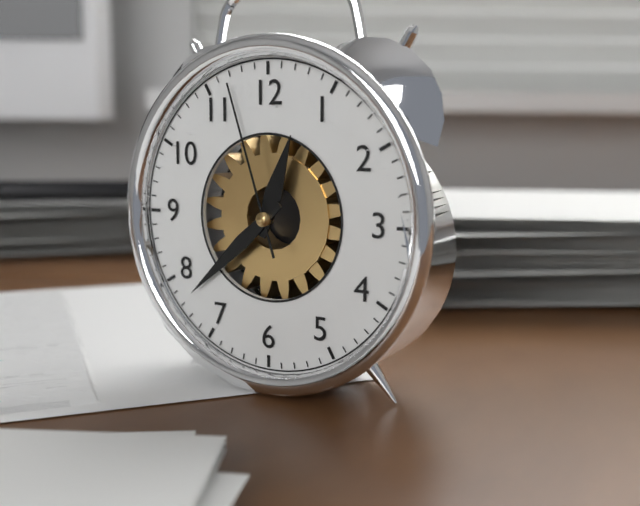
{"hour": 12, "minute": 38, "second": 57}
